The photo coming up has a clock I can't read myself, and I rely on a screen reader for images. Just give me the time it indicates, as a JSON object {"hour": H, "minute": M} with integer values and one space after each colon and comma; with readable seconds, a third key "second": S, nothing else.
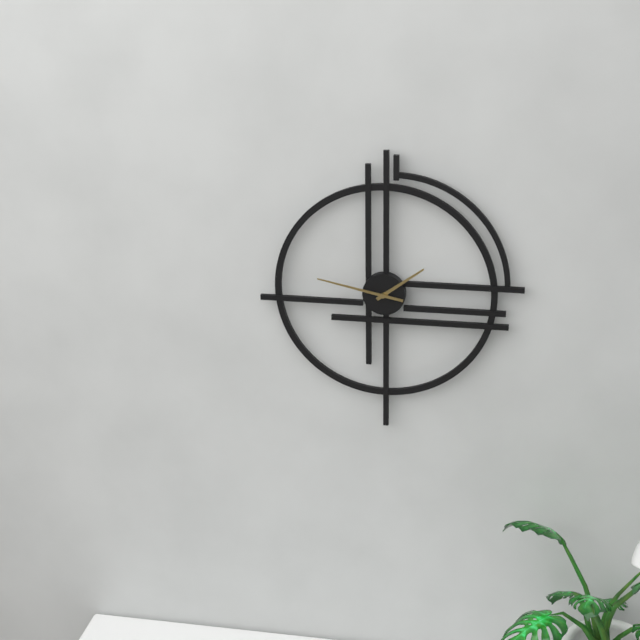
{"hour": 1, "minute": 47}
